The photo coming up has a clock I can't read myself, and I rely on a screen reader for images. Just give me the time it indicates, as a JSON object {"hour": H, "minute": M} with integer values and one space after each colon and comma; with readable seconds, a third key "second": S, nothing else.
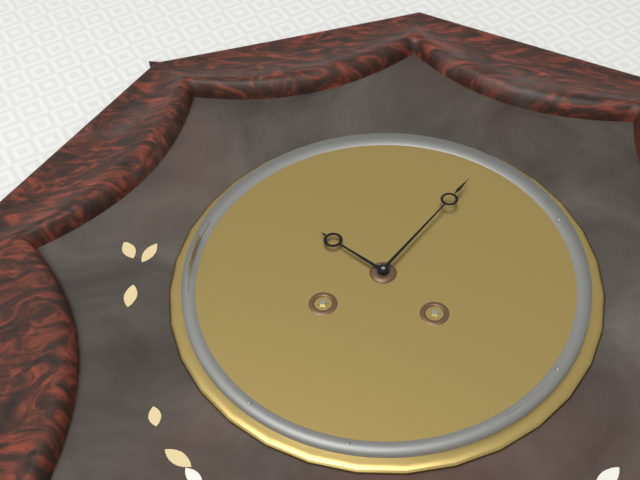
{"hour": 10, "minute": 5}
